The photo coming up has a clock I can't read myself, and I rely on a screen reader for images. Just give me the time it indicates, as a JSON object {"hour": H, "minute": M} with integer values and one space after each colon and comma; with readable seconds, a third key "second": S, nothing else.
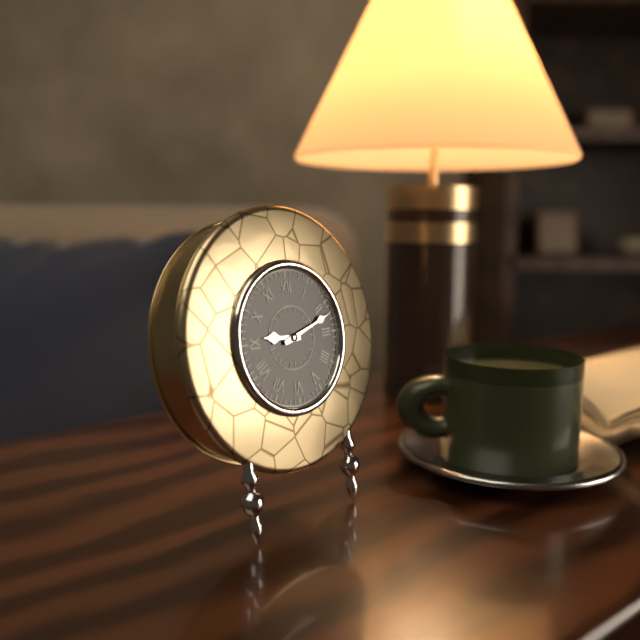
{"hour": 9, "minute": 12}
